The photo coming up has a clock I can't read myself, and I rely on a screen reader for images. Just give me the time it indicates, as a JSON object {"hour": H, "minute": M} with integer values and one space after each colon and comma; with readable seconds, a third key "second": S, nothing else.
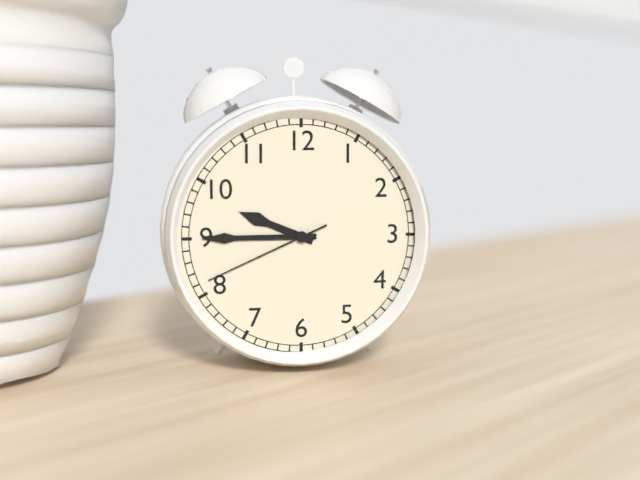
{"hour": 9, "minute": 45, "second": 41}
